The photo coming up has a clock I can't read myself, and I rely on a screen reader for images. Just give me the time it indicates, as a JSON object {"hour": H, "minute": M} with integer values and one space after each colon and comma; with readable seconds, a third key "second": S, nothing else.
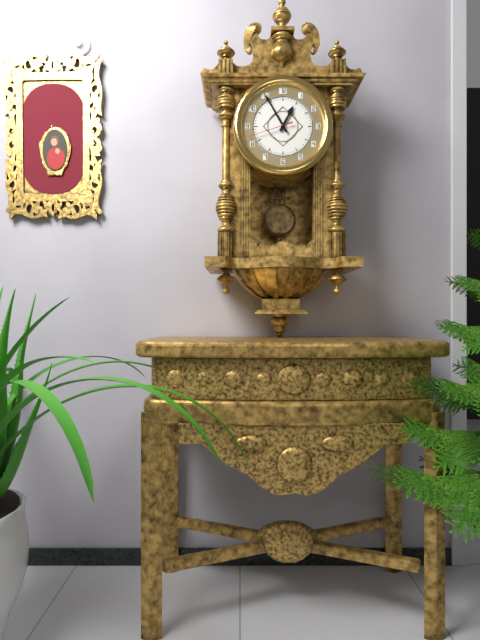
{"hour": 12, "minute": 55}
